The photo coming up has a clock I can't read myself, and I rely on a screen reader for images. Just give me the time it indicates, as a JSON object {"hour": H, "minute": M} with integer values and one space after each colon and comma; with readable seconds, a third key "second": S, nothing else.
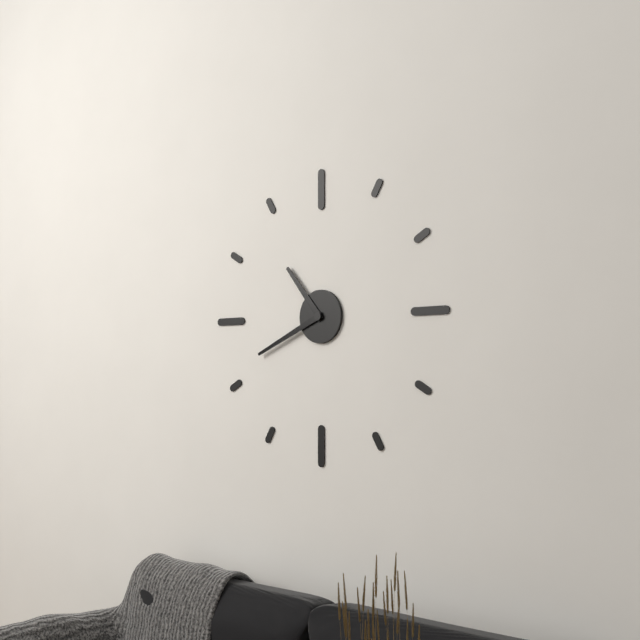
{"hour": 10, "minute": 41}
